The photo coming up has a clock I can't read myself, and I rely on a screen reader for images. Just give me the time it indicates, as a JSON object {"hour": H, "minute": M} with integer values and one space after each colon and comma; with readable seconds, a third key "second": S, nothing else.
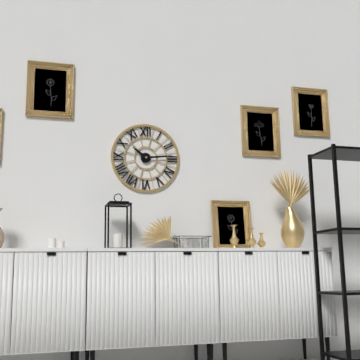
{"hour": 10, "minute": 14}
